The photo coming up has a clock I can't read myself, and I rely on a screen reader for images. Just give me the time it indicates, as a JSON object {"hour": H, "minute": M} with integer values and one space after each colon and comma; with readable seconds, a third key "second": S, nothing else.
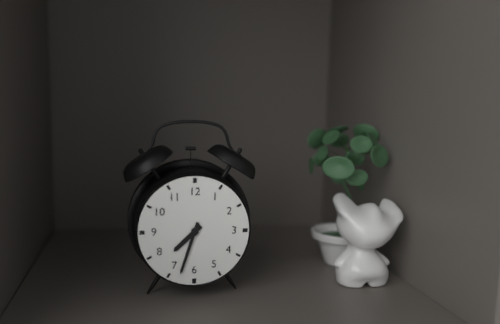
{"hour": 7, "minute": 33}
